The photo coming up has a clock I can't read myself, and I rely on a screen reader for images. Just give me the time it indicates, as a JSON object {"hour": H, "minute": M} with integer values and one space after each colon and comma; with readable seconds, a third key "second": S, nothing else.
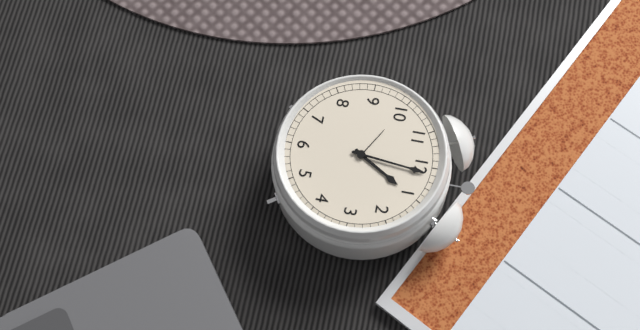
{"hour": 1, "minute": 1}
